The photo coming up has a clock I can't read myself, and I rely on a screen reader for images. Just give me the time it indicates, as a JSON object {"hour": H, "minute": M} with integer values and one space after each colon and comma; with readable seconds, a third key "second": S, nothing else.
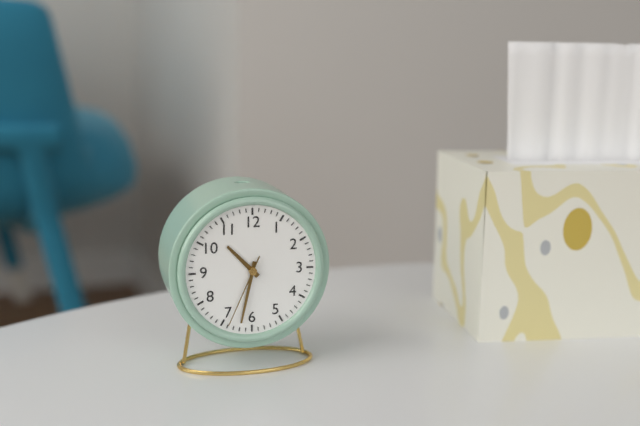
{"hour": 10, "minute": 32, "second": 34}
